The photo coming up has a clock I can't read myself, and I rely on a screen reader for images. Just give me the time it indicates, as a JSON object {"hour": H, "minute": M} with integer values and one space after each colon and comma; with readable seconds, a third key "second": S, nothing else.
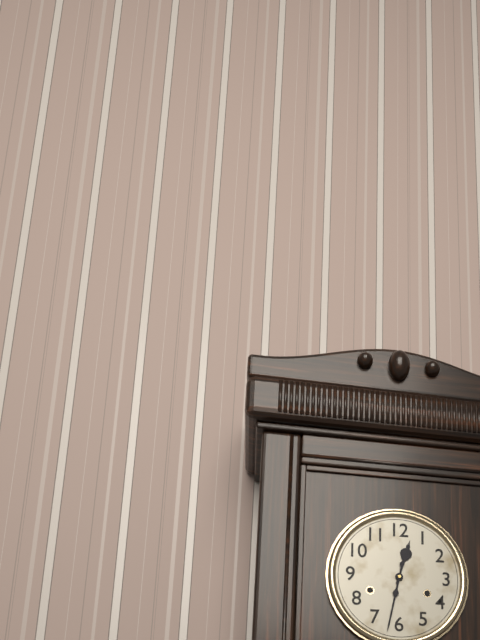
{"hour": 12, "minute": 32}
